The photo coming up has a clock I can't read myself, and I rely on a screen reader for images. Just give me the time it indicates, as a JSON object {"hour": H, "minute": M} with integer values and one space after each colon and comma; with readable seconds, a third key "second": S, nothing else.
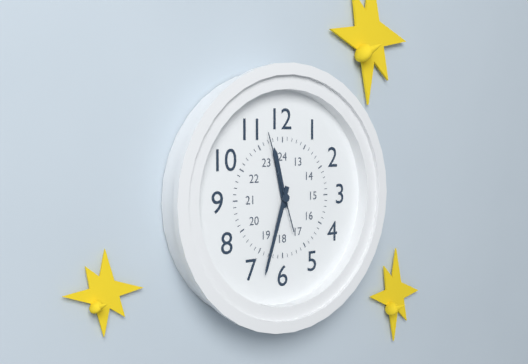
{"hour": 11, "minute": 33, "second": 57}
